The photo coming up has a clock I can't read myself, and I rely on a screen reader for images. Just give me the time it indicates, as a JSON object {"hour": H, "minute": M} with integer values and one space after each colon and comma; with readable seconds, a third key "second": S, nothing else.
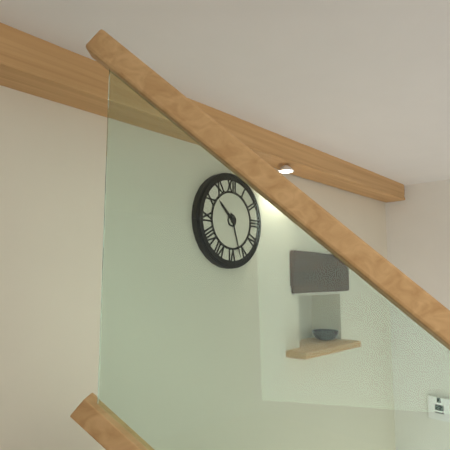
{"hour": 10, "minute": 27}
